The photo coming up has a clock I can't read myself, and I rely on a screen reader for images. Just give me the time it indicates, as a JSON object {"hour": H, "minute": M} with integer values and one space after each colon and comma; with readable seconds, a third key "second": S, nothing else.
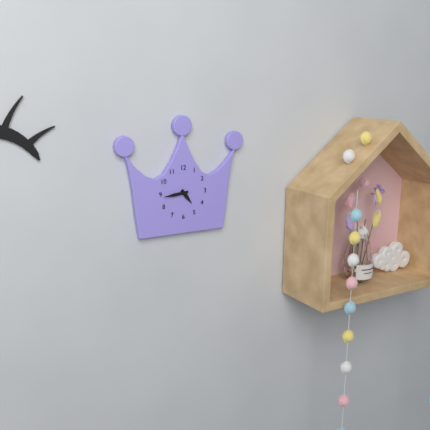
{"hour": 4, "minute": 44}
